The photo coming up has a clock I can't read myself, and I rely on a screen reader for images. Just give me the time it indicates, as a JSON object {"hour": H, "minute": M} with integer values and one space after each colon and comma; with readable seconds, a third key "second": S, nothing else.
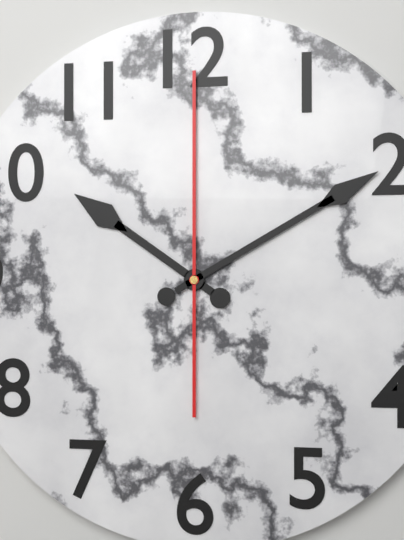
{"hour": 10, "minute": 10, "second": 0}
